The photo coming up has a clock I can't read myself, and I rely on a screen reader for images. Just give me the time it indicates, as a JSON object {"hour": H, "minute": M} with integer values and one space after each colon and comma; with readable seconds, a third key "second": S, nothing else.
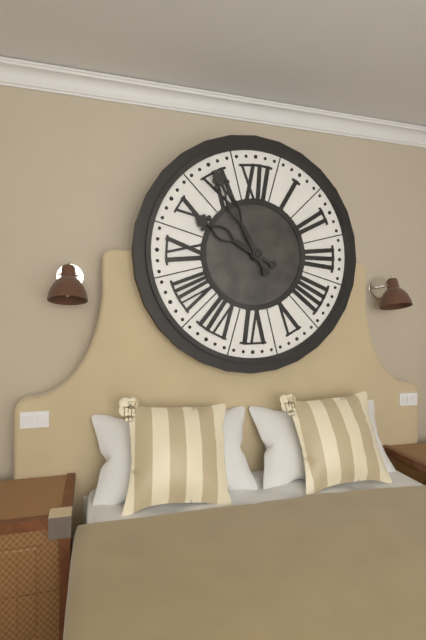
{"hour": 9, "minute": 55}
